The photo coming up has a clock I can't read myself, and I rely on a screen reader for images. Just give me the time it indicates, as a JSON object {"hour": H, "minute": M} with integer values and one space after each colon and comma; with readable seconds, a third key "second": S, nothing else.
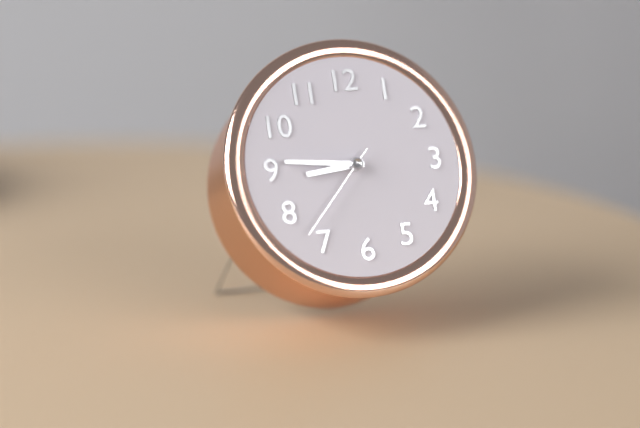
{"hour": 8, "minute": 46, "second": 37}
